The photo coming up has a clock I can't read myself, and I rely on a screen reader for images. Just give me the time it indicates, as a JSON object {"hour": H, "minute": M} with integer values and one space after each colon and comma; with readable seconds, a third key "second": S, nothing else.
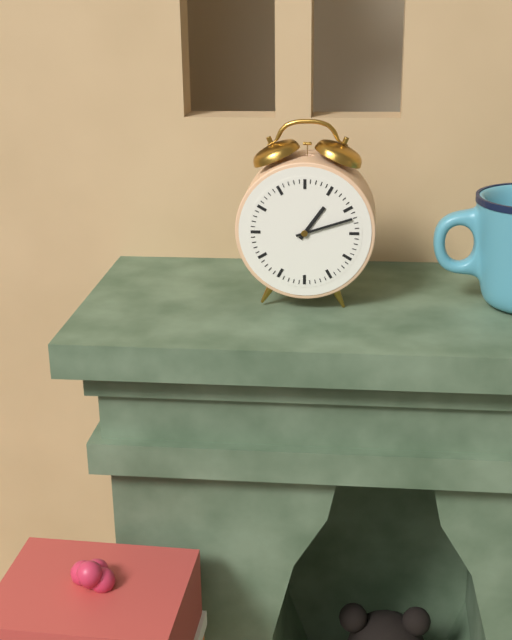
{"hour": 1, "minute": 12}
